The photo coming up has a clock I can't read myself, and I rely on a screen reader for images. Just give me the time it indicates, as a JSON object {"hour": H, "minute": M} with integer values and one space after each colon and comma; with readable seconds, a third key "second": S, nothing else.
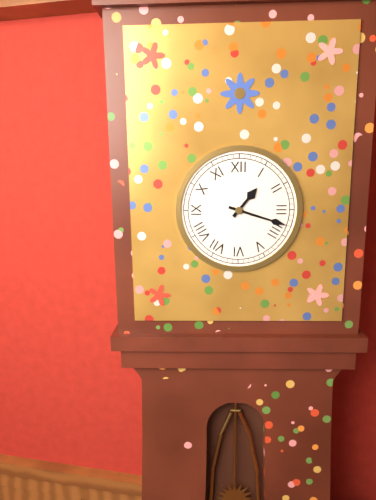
{"hour": 1, "minute": 18}
